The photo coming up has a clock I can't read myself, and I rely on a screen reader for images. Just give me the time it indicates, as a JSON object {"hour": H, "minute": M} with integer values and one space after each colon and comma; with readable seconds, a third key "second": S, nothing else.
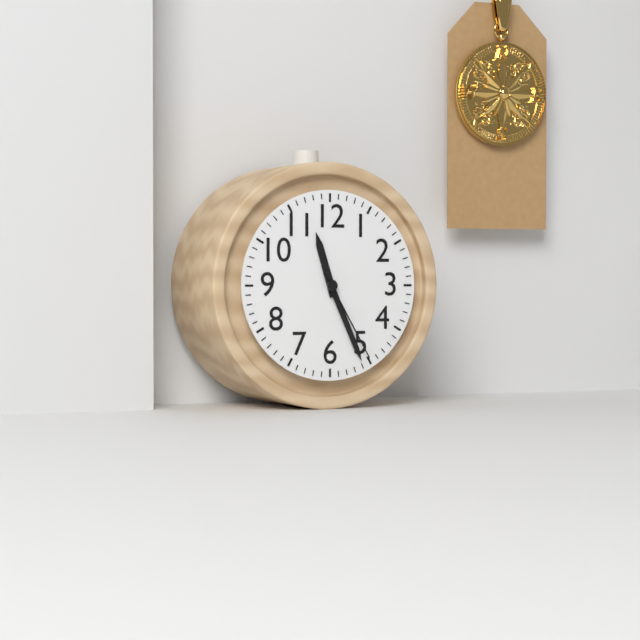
{"hour": 11, "minute": 26, "second": 25}
